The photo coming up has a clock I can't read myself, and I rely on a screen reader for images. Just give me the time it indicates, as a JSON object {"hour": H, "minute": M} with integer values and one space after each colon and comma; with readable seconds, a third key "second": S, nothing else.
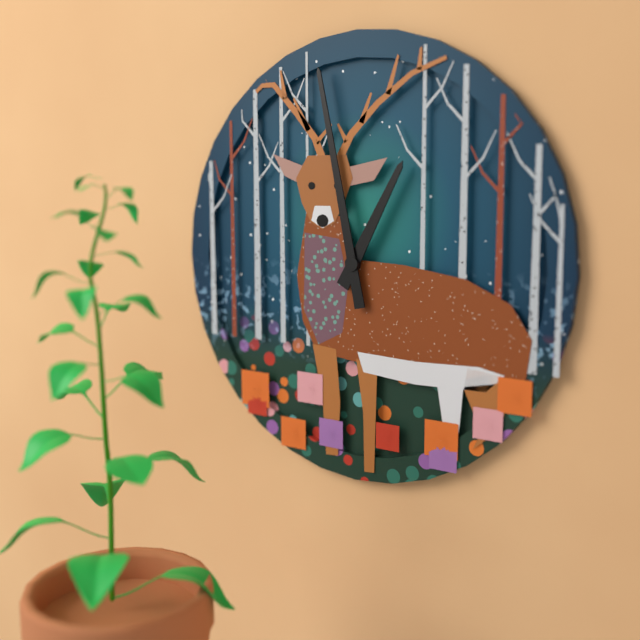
{"hour": 12, "minute": 58}
